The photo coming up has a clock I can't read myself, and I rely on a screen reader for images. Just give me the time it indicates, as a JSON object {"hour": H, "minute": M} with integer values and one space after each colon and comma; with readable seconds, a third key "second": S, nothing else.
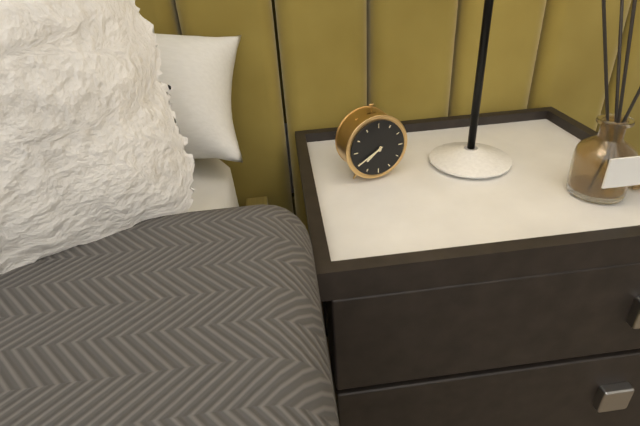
{"hour": 7, "minute": 40}
